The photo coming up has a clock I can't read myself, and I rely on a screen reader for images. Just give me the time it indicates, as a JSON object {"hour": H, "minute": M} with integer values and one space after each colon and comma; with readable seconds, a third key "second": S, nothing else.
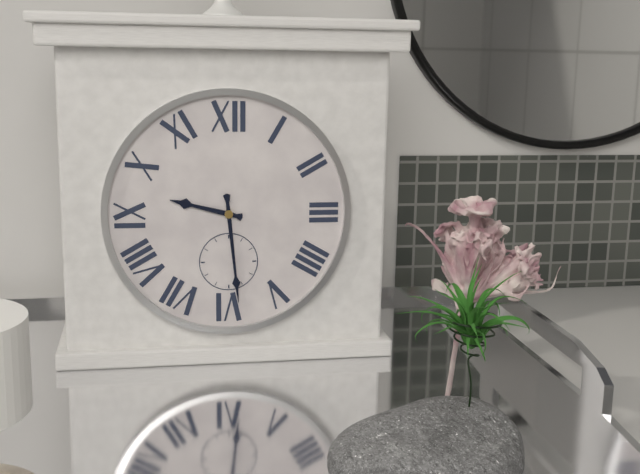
{"hour": 9, "minute": 29}
